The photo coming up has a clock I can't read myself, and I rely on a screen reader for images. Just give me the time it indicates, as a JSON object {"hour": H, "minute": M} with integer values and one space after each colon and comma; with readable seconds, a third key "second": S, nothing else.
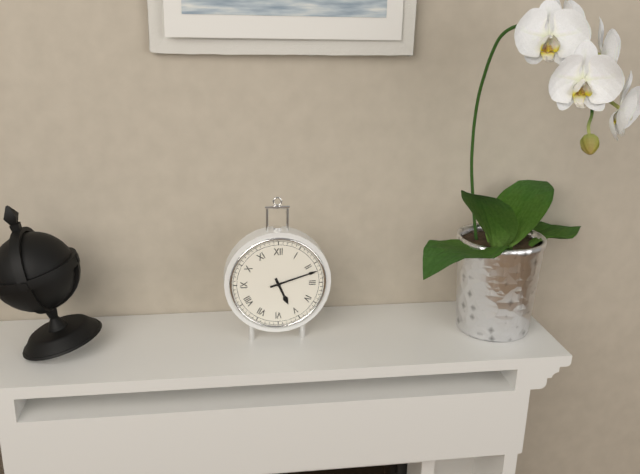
{"hour": 5, "minute": 12}
